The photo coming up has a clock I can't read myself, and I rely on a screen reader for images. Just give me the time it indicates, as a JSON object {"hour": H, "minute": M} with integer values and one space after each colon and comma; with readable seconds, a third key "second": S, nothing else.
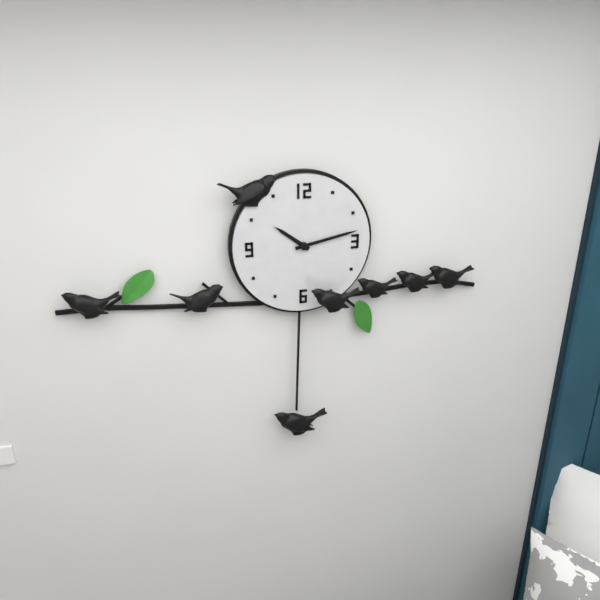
{"hour": 10, "minute": 13}
